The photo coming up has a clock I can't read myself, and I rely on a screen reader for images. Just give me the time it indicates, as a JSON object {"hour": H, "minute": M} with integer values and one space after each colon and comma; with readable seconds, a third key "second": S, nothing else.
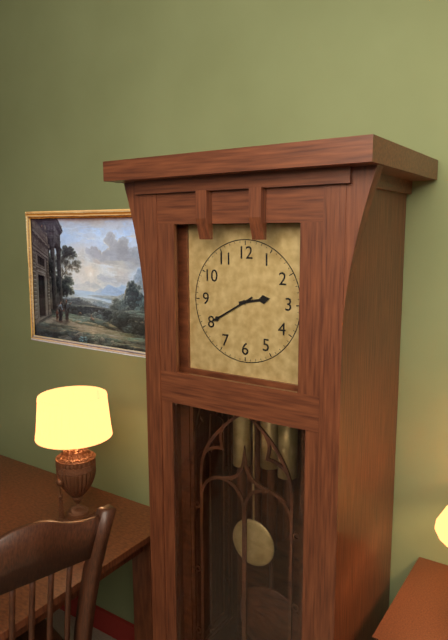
{"hour": 2, "minute": 40}
